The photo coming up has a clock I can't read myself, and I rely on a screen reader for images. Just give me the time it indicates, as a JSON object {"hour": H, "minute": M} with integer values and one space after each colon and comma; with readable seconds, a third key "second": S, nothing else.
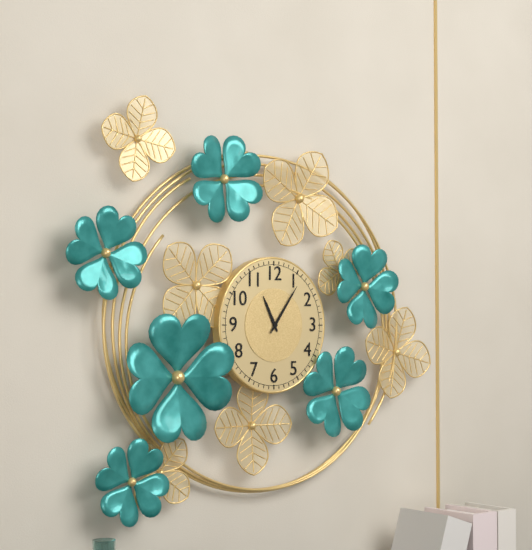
{"hour": 11, "minute": 6}
